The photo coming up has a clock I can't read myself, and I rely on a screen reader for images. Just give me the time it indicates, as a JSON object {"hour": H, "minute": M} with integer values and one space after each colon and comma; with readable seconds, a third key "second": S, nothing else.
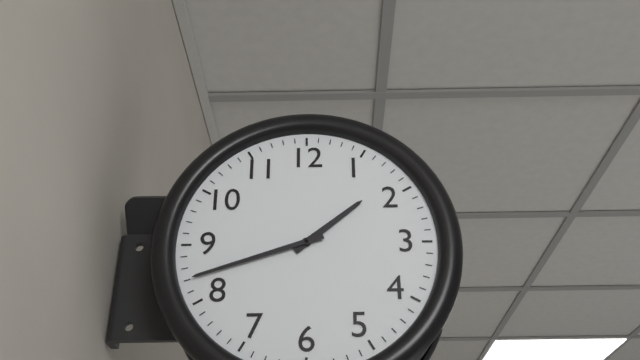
{"hour": 1, "minute": 42}
